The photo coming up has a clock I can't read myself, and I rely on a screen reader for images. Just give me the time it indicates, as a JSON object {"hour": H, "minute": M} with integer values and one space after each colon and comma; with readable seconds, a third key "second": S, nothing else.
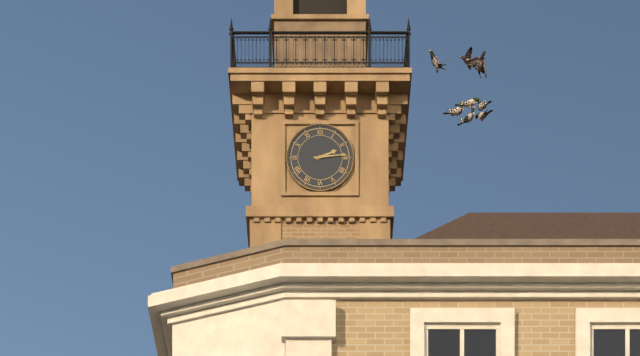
{"hour": 2, "minute": 14}
